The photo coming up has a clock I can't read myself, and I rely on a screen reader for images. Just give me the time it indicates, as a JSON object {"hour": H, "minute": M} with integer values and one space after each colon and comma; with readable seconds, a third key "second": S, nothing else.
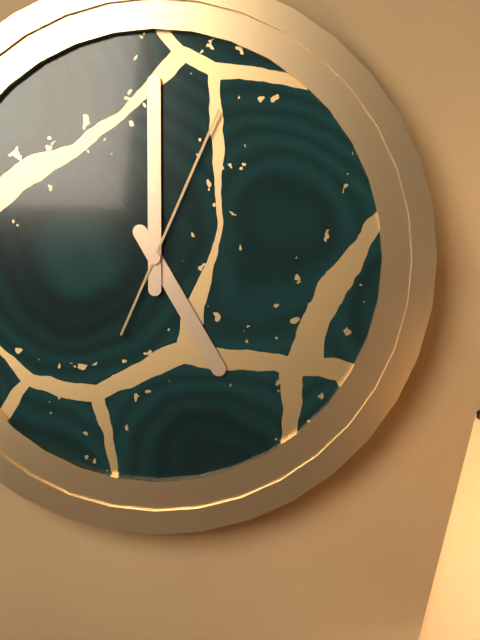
{"hour": 5, "minute": 0, "second": 4}
